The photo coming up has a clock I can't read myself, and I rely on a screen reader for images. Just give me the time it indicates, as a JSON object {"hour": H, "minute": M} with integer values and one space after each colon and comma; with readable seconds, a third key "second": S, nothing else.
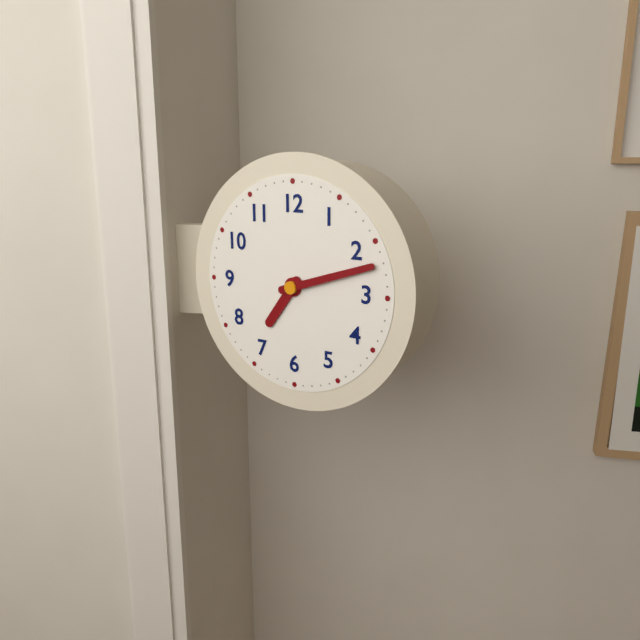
{"hour": 7, "minute": 12}
